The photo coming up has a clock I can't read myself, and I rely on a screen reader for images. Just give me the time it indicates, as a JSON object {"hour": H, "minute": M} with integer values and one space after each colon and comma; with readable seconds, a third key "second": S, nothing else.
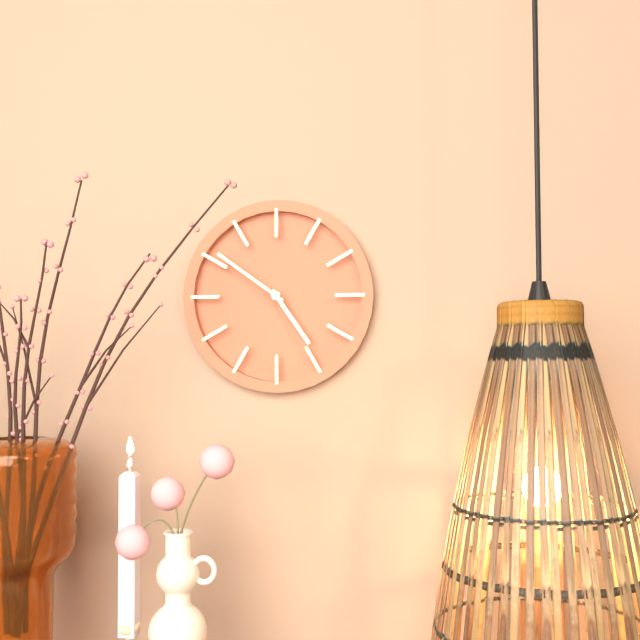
{"hour": 4, "minute": 51}
